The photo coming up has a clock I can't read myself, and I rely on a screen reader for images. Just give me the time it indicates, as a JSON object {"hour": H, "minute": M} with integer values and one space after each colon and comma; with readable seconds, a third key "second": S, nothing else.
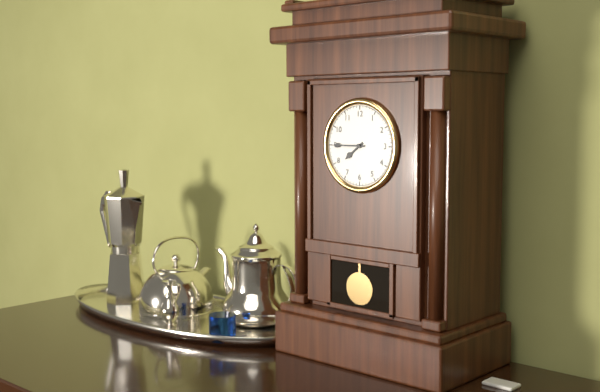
{"hour": 7, "minute": 45}
